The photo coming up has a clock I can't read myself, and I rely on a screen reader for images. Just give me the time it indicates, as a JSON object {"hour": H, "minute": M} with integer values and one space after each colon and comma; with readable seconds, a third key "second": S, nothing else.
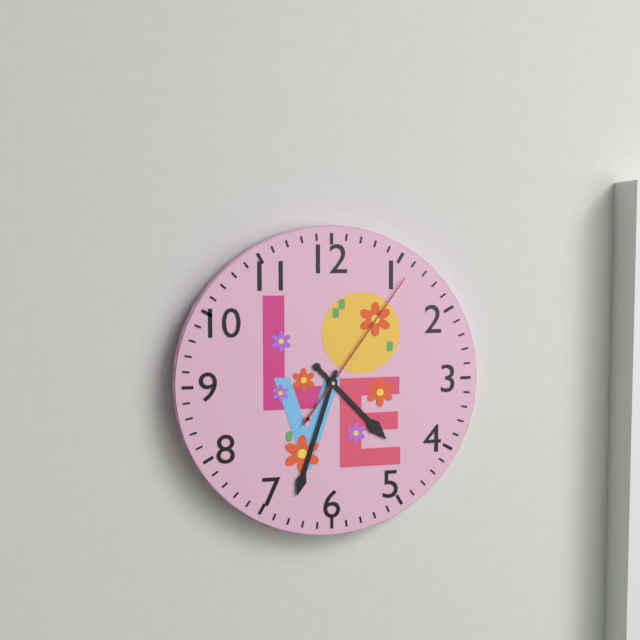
{"hour": 4, "minute": 33, "second": 6}
